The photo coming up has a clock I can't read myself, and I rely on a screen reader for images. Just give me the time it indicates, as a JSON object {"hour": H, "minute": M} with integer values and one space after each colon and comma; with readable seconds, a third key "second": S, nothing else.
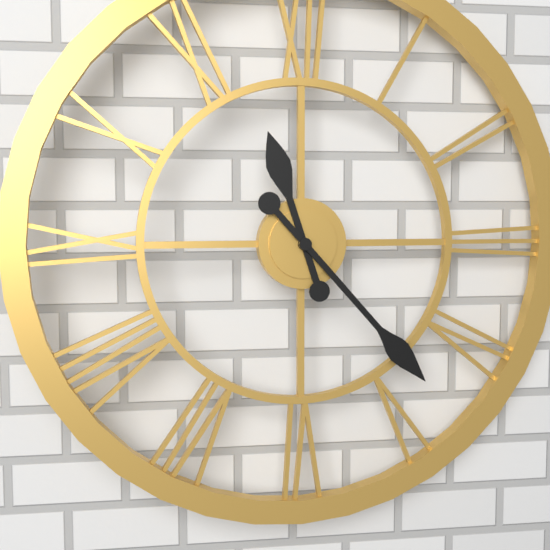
{"hour": 11, "minute": 23}
